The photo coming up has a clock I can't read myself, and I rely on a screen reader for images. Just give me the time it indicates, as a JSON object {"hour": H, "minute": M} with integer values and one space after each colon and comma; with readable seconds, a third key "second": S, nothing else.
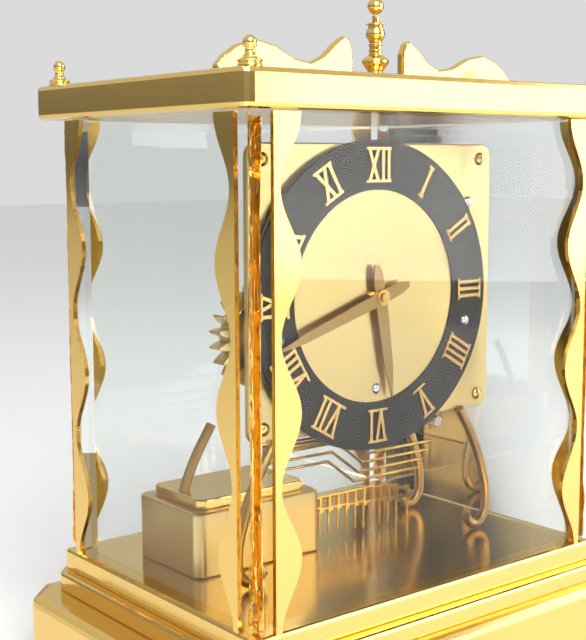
{"hour": 5, "minute": 42}
